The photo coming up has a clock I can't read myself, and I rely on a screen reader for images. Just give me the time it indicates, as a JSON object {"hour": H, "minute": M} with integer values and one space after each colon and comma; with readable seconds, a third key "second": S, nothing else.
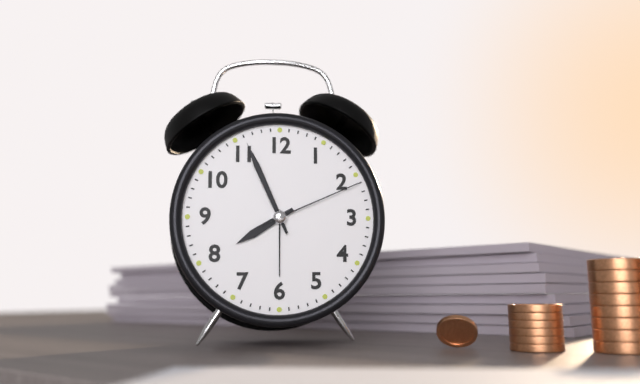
{"hour": 7, "minute": 56, "second": 11}
